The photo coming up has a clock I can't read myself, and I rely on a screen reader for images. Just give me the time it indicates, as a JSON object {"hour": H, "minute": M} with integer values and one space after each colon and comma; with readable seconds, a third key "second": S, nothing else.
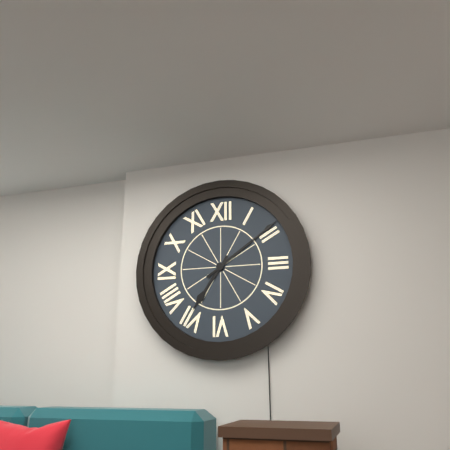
{"hour": 7, "minute": 9}
